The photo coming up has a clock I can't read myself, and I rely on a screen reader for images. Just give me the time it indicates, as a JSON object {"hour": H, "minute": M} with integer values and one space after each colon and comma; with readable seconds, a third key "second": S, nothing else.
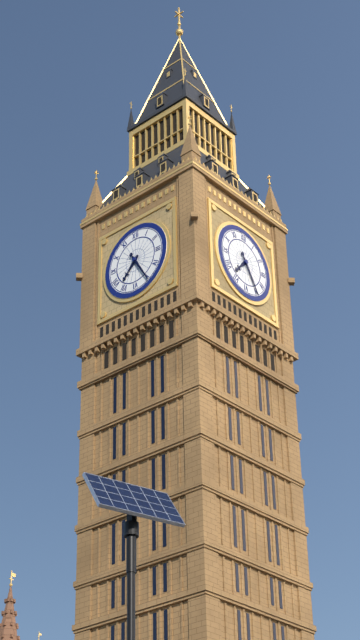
{"hour": 7, "minute": 25}
